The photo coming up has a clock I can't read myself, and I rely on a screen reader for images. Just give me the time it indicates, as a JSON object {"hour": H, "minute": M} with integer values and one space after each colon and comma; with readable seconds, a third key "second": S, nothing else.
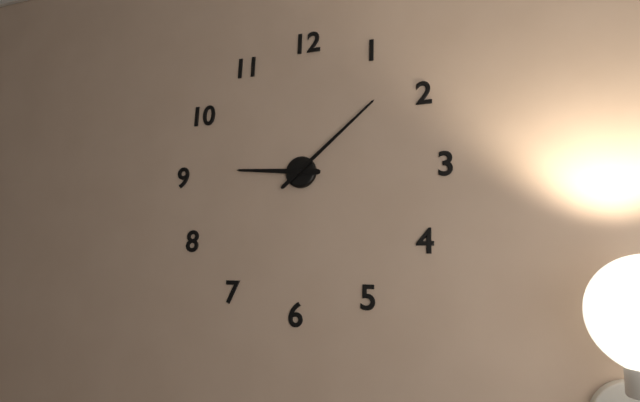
{"hour": 9, "minute": 8}
